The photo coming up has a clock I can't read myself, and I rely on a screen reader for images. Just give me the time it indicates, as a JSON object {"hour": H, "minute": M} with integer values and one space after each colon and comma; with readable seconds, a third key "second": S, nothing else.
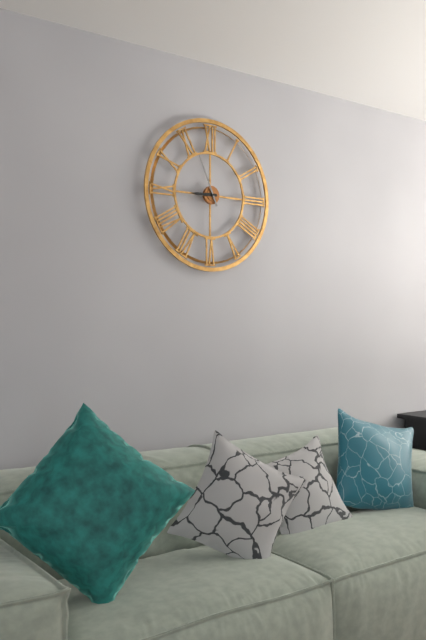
{"hour": 8, "minute": 56}
